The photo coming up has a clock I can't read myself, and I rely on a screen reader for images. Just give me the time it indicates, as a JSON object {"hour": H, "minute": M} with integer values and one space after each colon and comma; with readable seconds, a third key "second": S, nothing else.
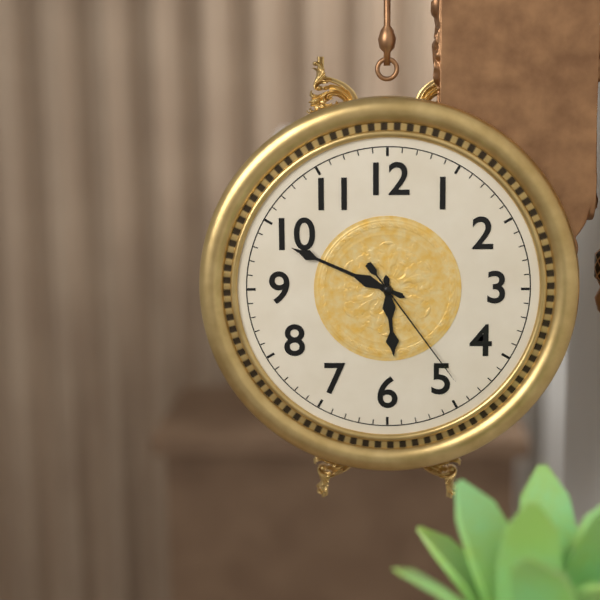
{"hour": 5, "minute": 49, "second": 24}
